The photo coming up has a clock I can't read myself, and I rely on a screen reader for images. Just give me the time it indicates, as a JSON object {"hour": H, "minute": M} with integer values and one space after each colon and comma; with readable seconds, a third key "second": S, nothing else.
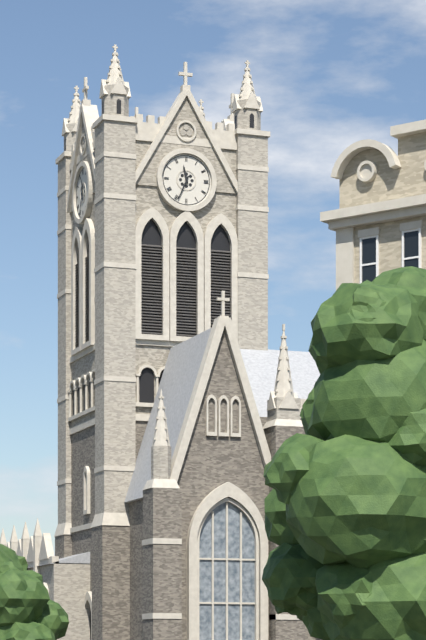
{"hour": 11, "minute": 34}
